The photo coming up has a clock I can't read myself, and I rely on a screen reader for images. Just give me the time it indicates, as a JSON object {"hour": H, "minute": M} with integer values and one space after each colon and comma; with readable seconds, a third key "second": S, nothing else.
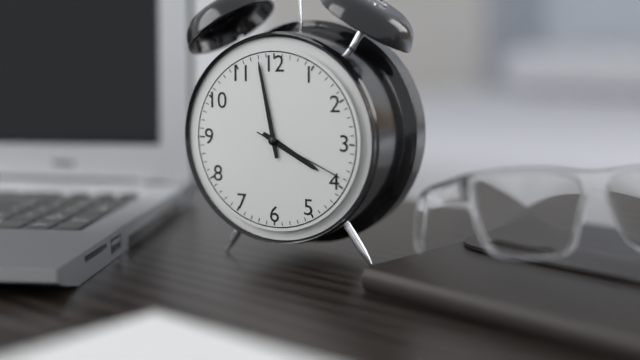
{"hour": 3, "minute": 58, "second": 19}
